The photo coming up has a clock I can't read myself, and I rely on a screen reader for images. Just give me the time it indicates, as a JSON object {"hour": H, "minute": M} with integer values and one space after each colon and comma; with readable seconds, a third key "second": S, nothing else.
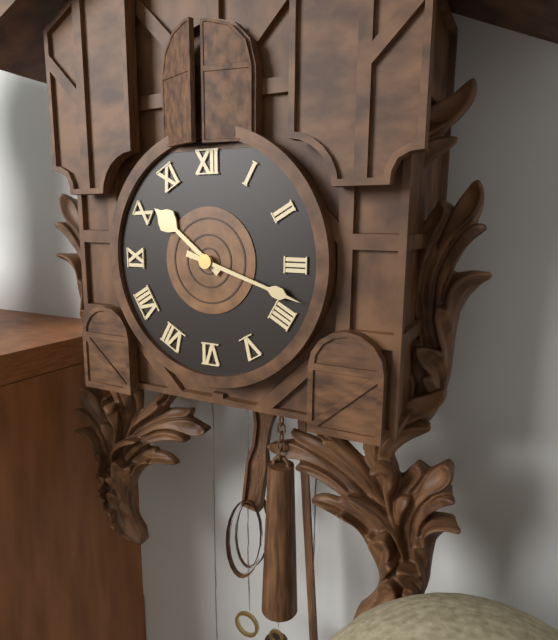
{"hour": 10, "minute": 18}
